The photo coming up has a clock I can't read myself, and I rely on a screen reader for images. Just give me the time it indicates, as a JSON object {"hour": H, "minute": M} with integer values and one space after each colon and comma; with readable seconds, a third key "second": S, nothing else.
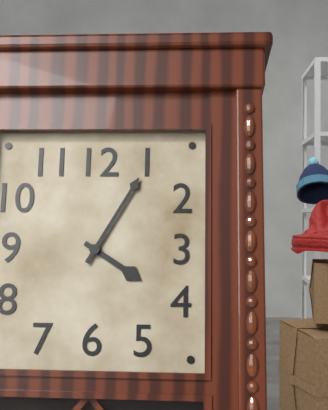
{"hour": 4, "minute": 5}
